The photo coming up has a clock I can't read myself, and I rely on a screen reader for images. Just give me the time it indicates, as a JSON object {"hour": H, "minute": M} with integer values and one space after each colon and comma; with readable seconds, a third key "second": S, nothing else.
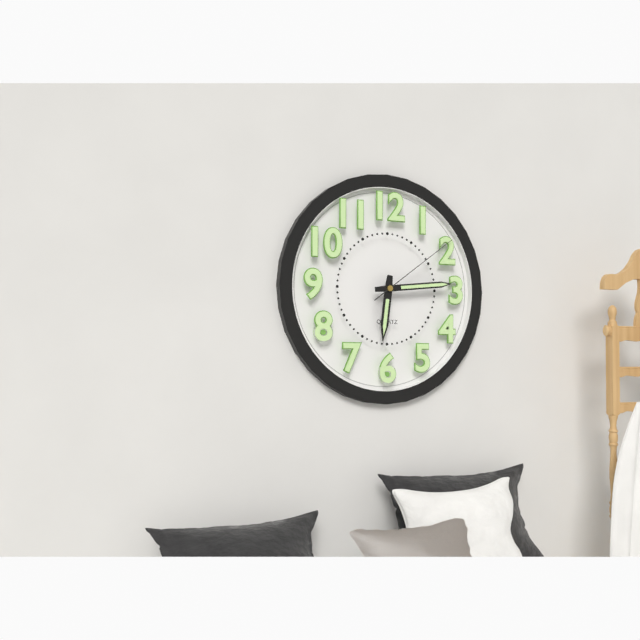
{"hour": 6, "minute": 14, "second": 9}
